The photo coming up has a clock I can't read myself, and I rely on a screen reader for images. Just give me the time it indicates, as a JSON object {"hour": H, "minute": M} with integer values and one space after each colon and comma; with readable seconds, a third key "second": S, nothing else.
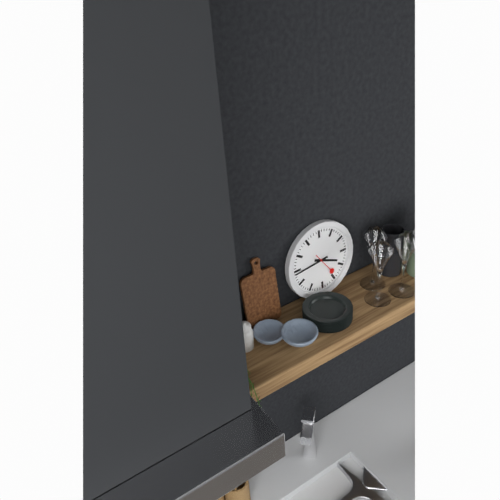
{"hour": 3, "minute": 44}
